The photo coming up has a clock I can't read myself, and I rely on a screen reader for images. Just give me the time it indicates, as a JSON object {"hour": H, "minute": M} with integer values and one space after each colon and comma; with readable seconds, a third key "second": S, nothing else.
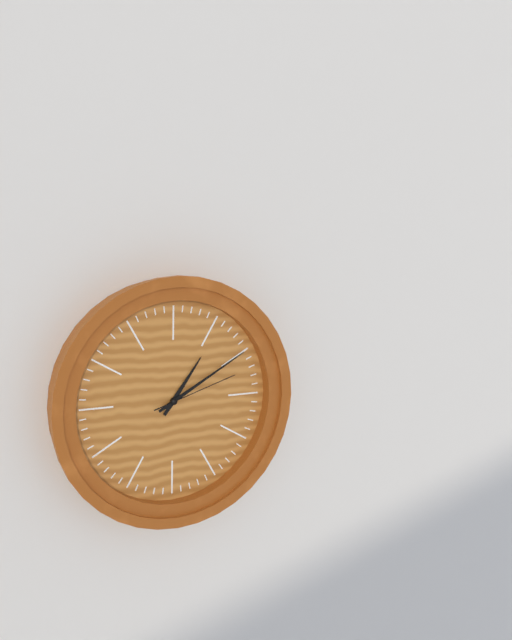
{"hour": 1, "minute": 10, "second": 12}
